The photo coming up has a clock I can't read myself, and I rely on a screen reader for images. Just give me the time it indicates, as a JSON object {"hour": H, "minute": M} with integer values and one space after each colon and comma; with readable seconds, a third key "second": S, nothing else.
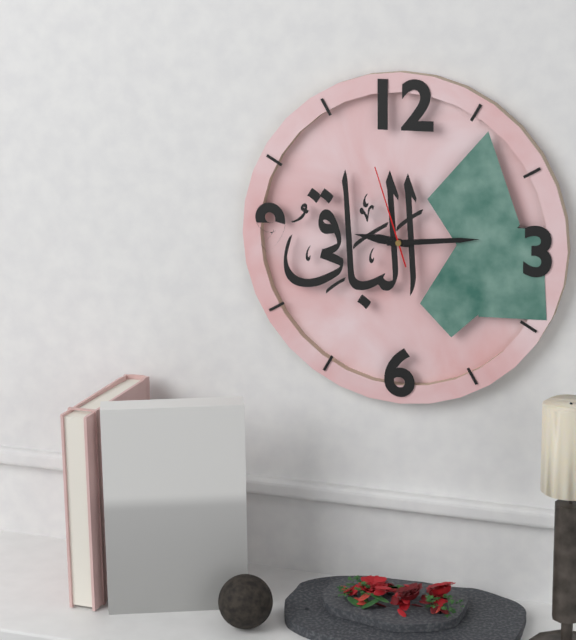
{"hour": 9, "minute": 14, "second": 57}
